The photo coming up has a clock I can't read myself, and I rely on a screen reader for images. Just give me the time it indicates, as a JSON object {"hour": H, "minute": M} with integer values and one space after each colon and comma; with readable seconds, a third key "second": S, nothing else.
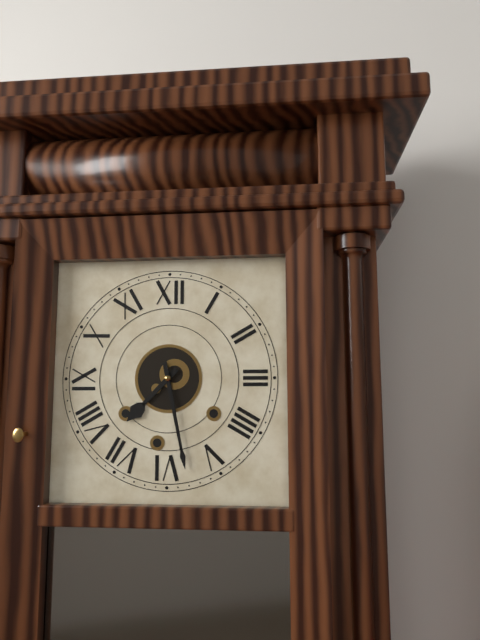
{"hour": 7, "minute": 28}
